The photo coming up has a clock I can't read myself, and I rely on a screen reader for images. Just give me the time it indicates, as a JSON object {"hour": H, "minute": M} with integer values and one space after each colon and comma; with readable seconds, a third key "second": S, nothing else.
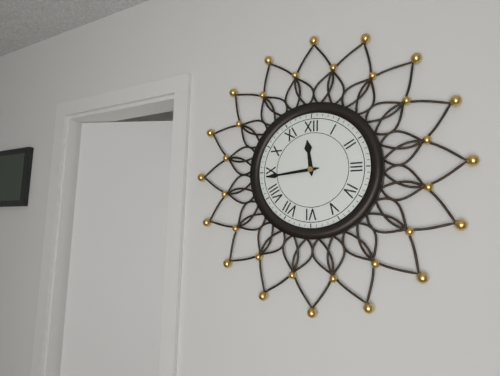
{"hour": 11, "minute": 44}
